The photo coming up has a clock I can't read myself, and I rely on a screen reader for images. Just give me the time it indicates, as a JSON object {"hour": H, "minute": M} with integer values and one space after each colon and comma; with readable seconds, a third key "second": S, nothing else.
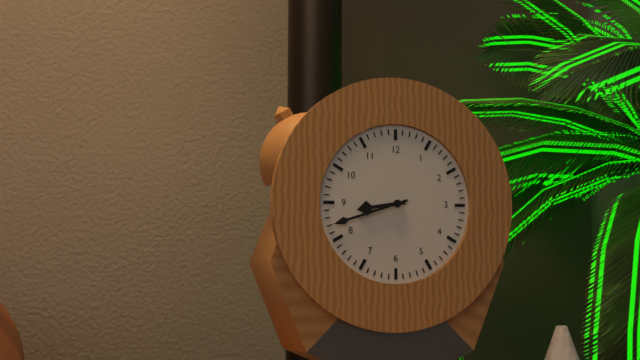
{"hour": 8, "minute": 42}
